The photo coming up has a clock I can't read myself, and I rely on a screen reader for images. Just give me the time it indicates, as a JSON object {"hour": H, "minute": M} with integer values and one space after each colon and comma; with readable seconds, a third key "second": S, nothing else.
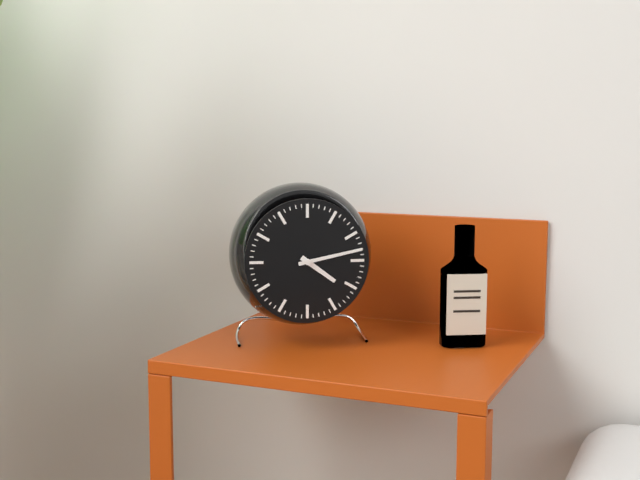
{"hour": 4, "minute": 13}
